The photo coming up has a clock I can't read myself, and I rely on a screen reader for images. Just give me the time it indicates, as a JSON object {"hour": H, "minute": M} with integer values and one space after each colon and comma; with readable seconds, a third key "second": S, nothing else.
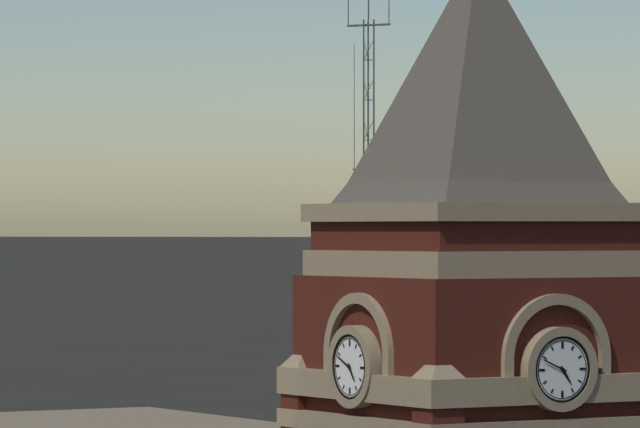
{"hour": 4, "minute": 49}
